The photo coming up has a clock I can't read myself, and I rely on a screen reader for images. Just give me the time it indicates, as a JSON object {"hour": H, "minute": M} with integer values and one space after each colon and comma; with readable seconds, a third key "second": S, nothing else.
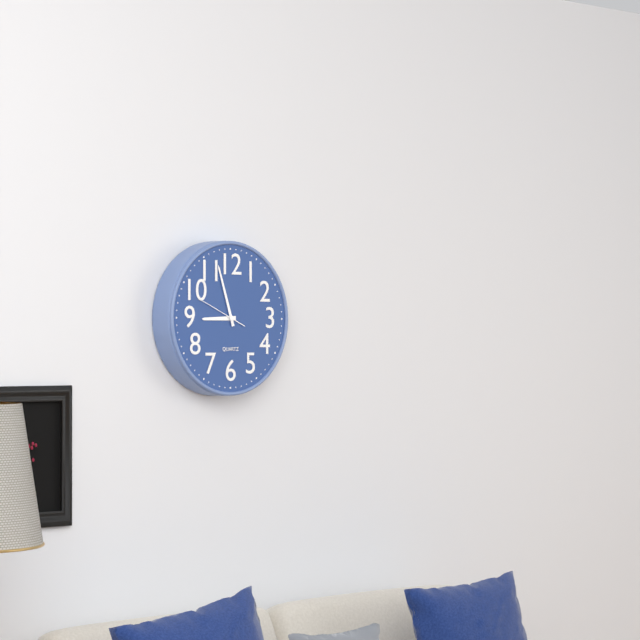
{"hour": 8, "minute": 57}
